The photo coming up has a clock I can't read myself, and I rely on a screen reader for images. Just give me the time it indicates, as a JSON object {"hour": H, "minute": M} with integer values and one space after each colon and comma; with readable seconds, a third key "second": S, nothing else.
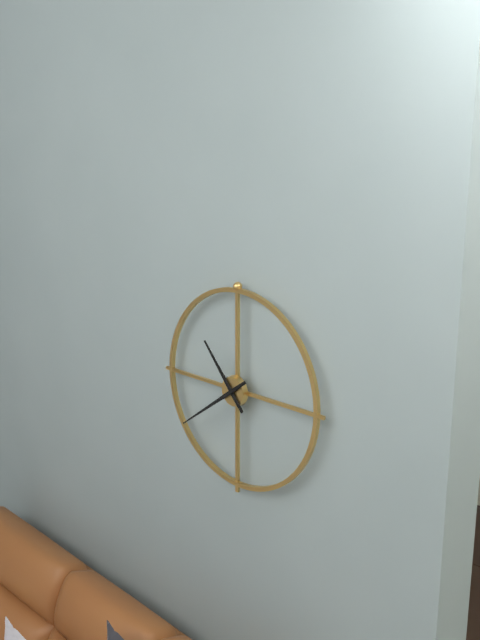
{"hour": 10, "minute": 39}
